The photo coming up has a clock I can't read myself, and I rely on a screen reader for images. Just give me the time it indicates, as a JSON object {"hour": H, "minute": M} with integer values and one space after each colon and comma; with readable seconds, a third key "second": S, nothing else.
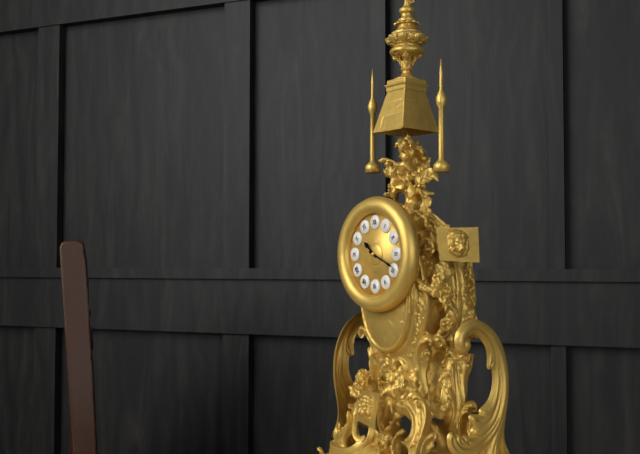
{"hour": 10, "minute": 19}
